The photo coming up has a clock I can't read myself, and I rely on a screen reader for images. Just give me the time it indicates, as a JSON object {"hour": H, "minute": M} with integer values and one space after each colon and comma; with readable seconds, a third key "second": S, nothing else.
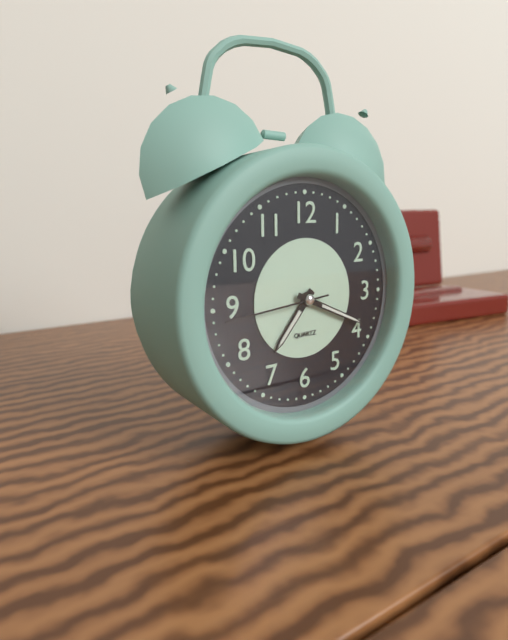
{"hour": 7, "minute": 19, "second": 44}
